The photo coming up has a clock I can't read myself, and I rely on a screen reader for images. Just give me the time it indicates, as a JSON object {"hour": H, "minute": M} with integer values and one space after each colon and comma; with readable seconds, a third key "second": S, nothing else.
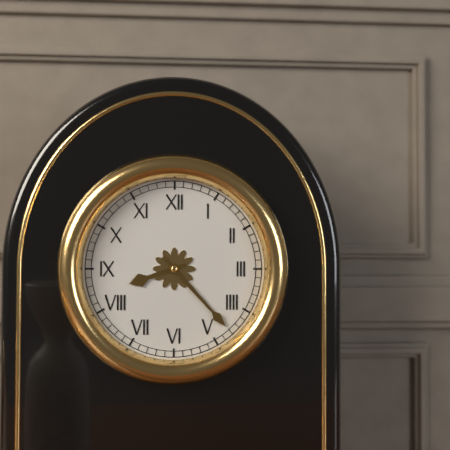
{"hour": 8, "minute": 23}
